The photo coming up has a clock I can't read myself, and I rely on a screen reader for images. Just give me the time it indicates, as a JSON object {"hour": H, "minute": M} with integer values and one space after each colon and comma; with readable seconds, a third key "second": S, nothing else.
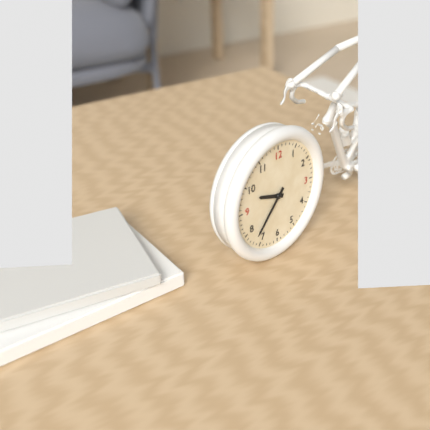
{"hour": 9, "minute": 37}
